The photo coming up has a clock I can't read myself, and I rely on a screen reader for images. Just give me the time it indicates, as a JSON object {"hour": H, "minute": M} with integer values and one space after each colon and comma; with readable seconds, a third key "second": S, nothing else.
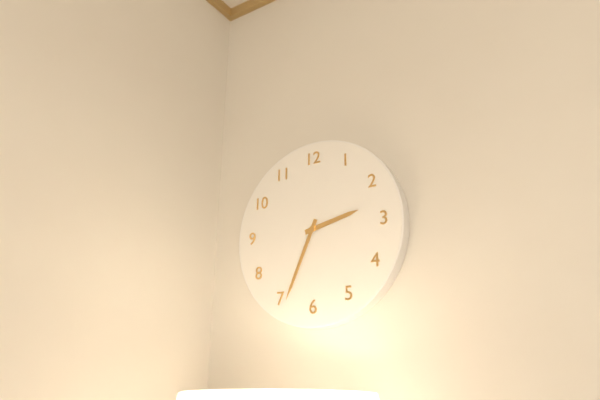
{"hour": 2, "minute": 34}
